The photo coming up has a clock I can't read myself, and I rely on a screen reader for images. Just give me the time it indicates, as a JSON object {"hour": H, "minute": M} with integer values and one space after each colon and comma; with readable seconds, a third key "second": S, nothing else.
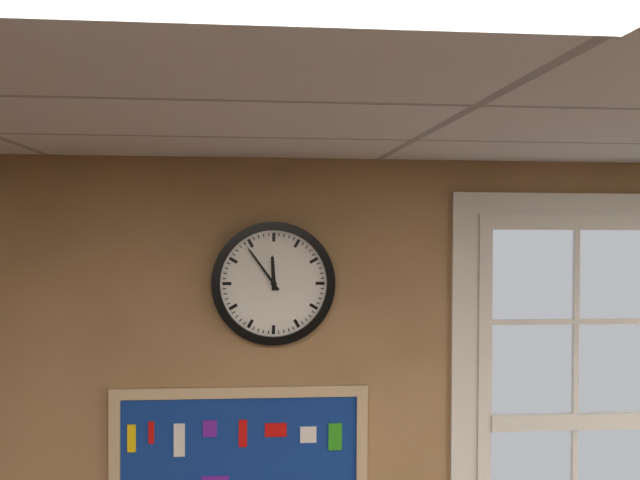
{"hour": 11, "minute": 54}
